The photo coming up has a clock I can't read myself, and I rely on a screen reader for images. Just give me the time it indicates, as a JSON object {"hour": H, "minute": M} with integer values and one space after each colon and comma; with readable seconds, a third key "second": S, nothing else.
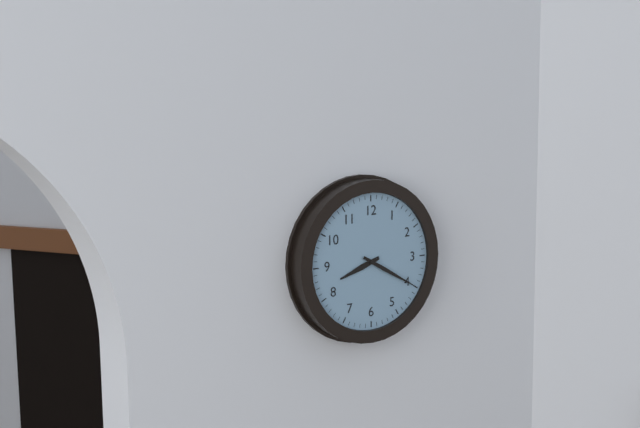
{"hour": 8, "minute": 20}
